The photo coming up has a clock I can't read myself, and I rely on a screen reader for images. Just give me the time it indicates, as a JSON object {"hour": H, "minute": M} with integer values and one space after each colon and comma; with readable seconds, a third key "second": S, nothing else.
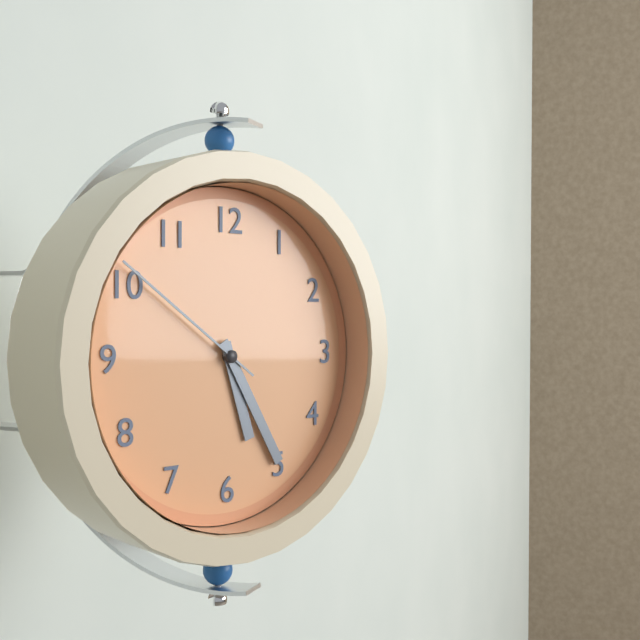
{"hour": 5, "minute": 25, "second": 51}
